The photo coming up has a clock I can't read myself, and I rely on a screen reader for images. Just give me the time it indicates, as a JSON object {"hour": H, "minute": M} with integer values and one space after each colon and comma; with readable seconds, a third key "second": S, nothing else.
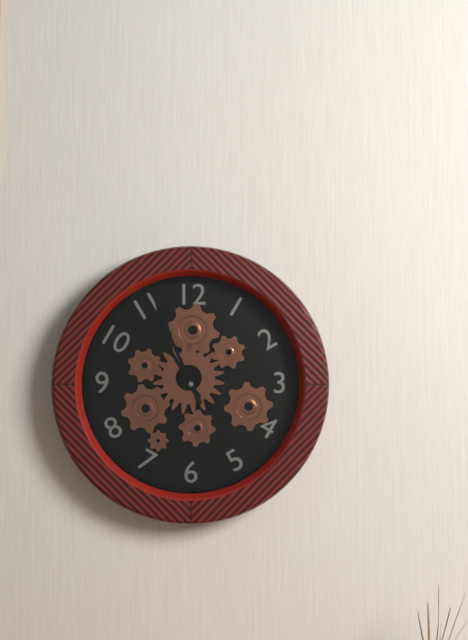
{"hour": 10, "minute": 56}
